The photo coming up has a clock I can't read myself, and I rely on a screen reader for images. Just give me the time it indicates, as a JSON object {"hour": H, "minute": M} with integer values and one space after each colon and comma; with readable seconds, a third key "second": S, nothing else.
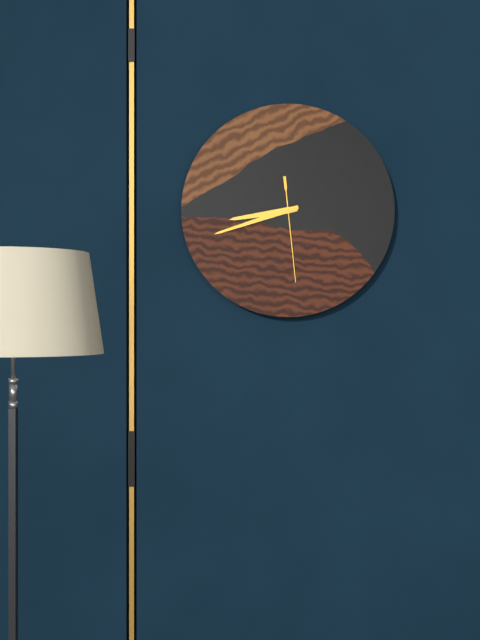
{"hour": 8, "minute": 42, "second": 29}
